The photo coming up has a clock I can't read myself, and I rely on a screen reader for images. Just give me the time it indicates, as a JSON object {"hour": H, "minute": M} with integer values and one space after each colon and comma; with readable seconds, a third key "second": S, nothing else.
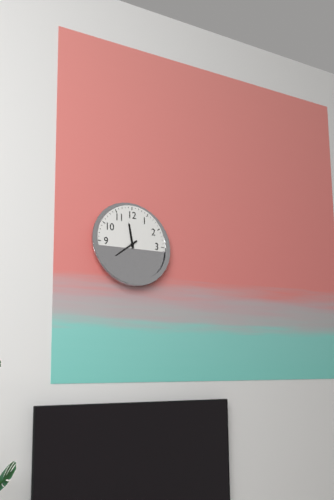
{"hour": 11, "minute": 39}
